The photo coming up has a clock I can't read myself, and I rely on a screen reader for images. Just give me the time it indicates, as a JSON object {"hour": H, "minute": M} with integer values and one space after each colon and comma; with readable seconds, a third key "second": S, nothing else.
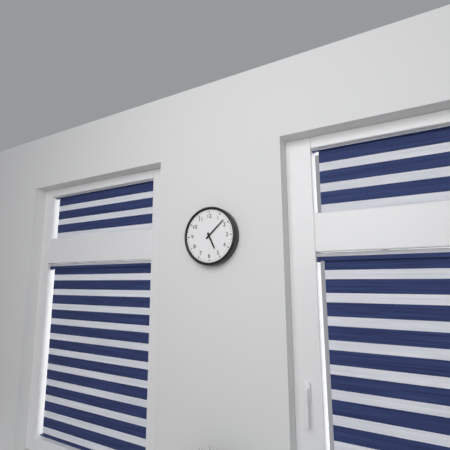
{"hour": 5, "minute": 8}
